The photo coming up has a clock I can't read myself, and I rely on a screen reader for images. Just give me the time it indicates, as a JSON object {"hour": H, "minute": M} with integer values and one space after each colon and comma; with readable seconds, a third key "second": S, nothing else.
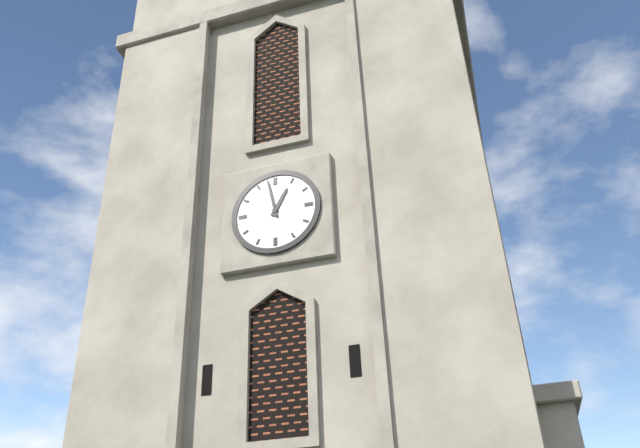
{"hour": 12, "minute": 58}
